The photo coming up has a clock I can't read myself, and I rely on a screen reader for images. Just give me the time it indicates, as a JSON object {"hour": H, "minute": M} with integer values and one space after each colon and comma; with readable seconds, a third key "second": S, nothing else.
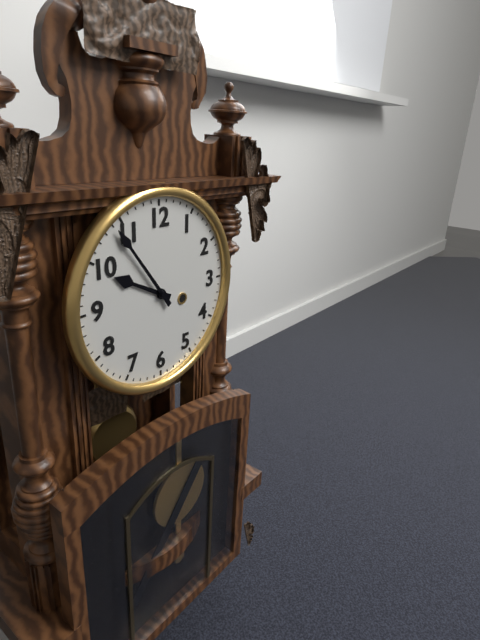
{"hour": 9, "minute": 54}
